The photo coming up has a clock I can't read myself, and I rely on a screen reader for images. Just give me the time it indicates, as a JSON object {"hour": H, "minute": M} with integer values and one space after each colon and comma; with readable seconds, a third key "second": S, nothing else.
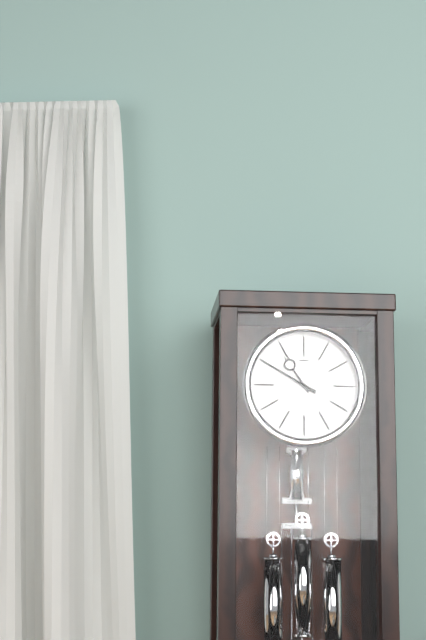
{"hour": 10, "minute": 50}
